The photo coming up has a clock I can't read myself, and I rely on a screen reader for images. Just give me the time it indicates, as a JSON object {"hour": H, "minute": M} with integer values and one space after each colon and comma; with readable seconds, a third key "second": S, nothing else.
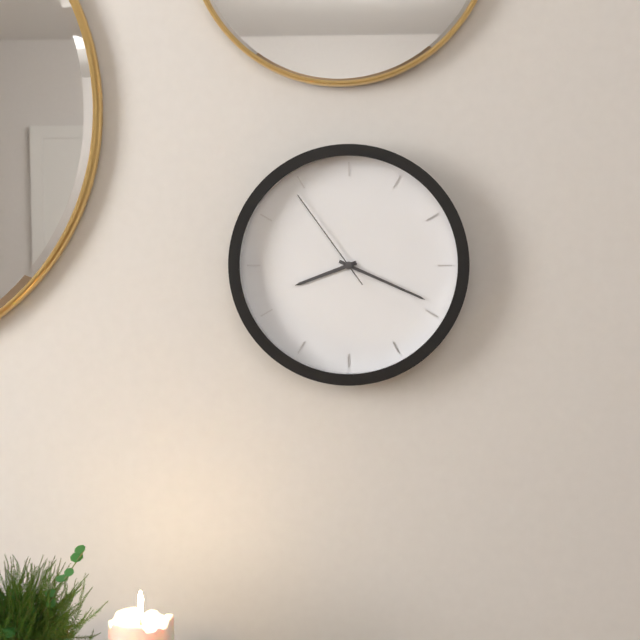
{"hour": 8, "minute": 19, "second": 54}
